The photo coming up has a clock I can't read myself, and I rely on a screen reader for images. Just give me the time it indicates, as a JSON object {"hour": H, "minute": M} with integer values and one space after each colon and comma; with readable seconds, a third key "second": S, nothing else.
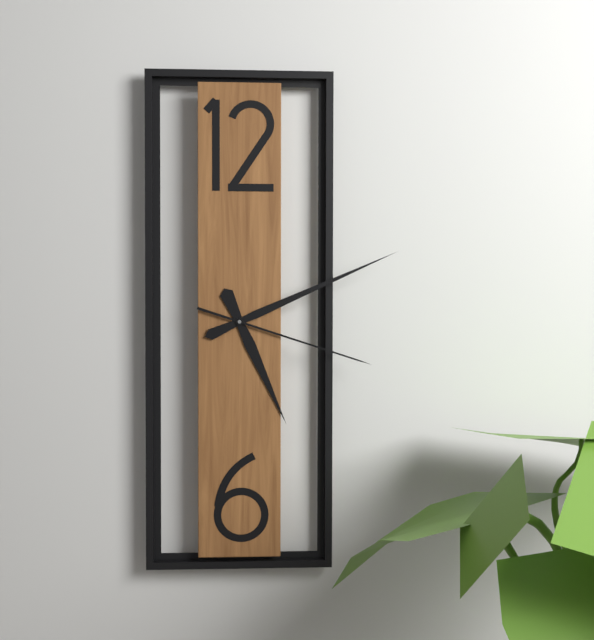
{"hour": 5, "minute": 11, "second": 18}
